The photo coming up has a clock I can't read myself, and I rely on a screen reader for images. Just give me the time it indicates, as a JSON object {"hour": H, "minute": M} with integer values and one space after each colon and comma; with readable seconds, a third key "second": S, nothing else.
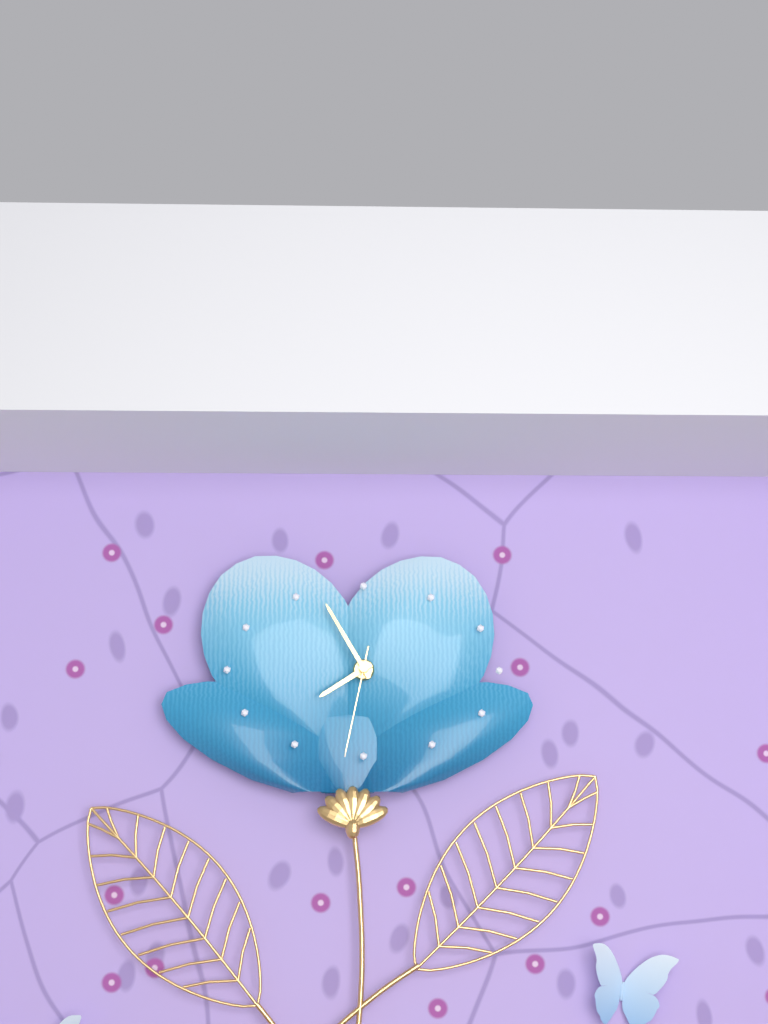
{"hour": 7, "minute": 55, "second": 32}
